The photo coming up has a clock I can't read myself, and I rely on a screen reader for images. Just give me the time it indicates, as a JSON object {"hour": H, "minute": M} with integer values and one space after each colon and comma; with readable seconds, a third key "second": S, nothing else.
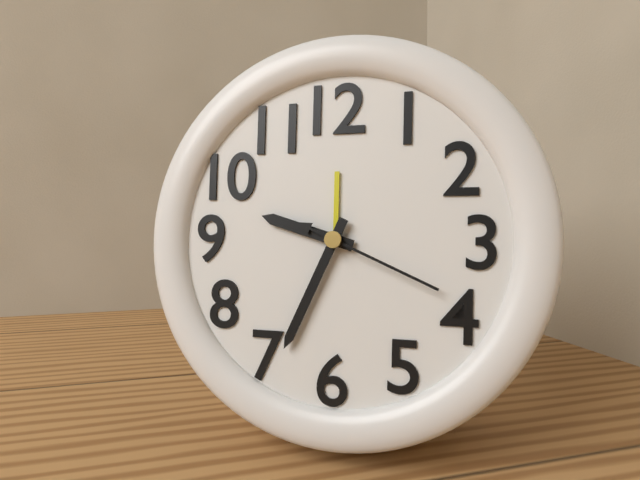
{"hour": 9, "minute": 34, "second": 19}
